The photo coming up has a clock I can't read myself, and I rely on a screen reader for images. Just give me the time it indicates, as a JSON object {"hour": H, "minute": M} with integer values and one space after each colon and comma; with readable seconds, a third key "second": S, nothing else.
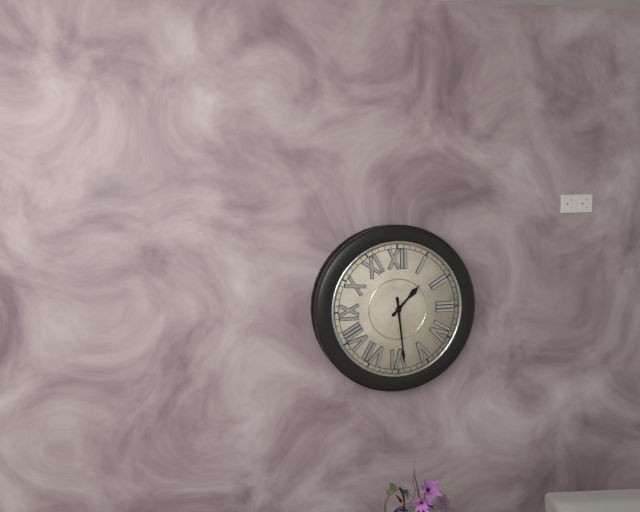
{"hour": 1, "minute": 29}
